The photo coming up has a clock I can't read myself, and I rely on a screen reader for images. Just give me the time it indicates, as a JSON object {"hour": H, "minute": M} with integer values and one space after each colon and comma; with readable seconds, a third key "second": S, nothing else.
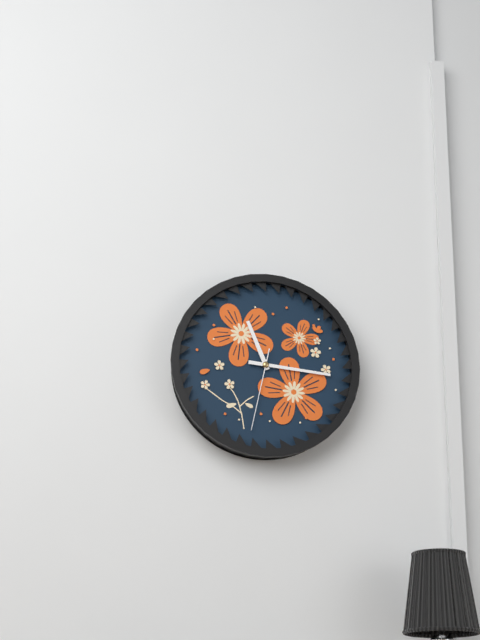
{"hour": 11, "minute": 16, "second": 32}
